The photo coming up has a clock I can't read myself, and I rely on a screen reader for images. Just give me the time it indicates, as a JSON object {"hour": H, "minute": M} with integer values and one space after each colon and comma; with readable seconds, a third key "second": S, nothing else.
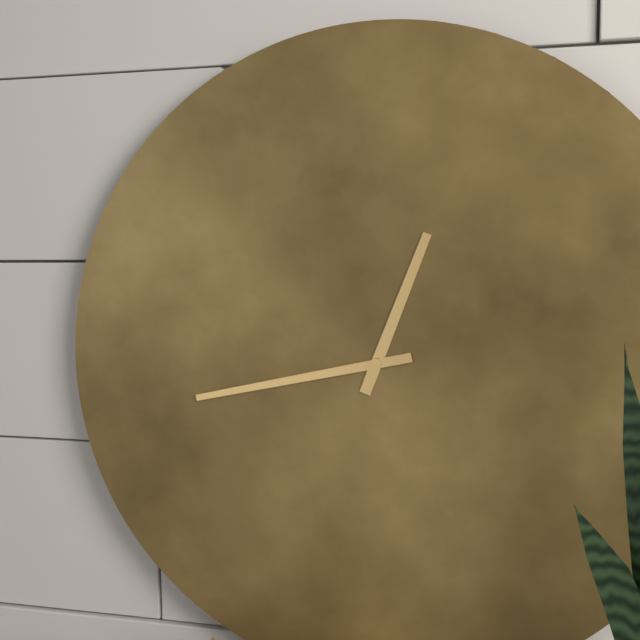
{"hour": 12, "minute": 43}
